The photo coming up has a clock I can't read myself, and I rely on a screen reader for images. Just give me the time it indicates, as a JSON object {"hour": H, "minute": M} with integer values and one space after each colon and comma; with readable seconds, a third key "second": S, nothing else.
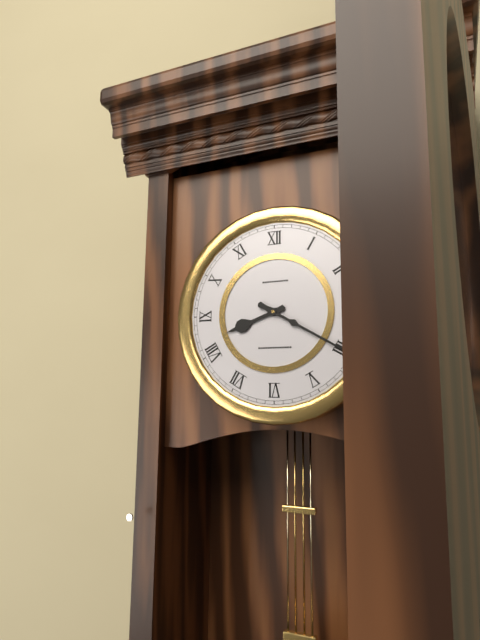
{"hour": 8, "minute": 20}
